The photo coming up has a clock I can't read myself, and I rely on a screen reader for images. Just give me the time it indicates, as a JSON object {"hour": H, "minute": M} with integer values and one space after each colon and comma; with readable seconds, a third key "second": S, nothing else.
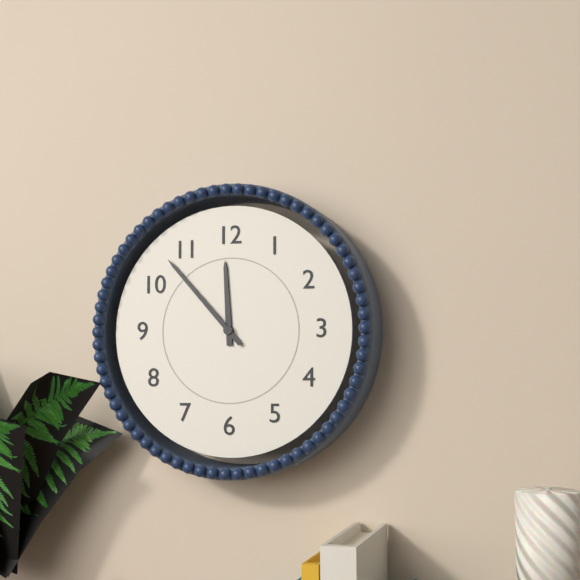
{"hour": 11, "minute": 53}
